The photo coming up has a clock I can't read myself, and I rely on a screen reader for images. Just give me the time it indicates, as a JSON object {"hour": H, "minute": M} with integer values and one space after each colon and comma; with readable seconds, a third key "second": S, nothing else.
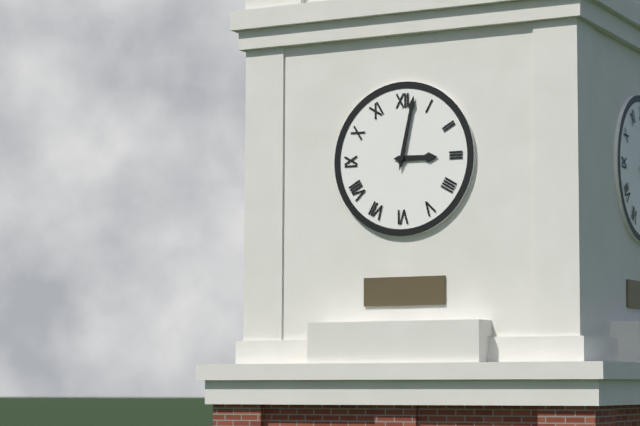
{"hour": 3, "minute": 2}
